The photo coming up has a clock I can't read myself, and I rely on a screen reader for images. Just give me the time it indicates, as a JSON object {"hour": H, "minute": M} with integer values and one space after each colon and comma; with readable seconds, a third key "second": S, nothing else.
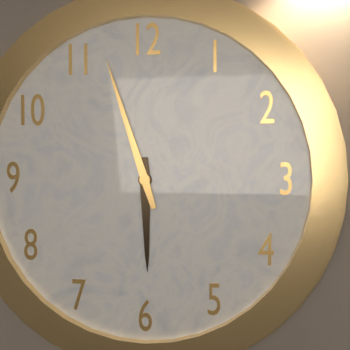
{"hour": 5, "minute": 57}
